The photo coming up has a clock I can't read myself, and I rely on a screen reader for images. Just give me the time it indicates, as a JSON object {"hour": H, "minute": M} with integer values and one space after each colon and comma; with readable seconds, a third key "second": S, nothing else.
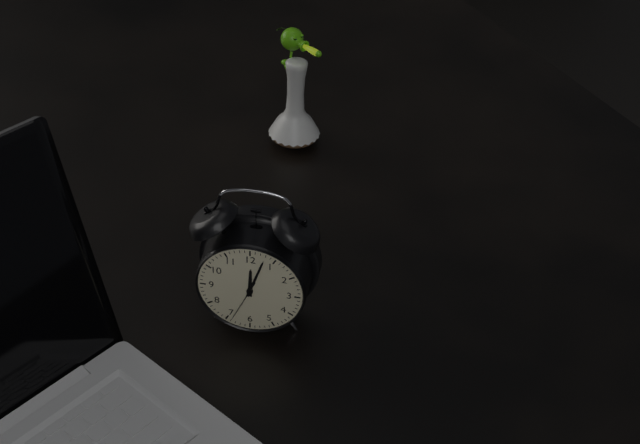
{"hour": 12, "minute": 3, "second": 34}
